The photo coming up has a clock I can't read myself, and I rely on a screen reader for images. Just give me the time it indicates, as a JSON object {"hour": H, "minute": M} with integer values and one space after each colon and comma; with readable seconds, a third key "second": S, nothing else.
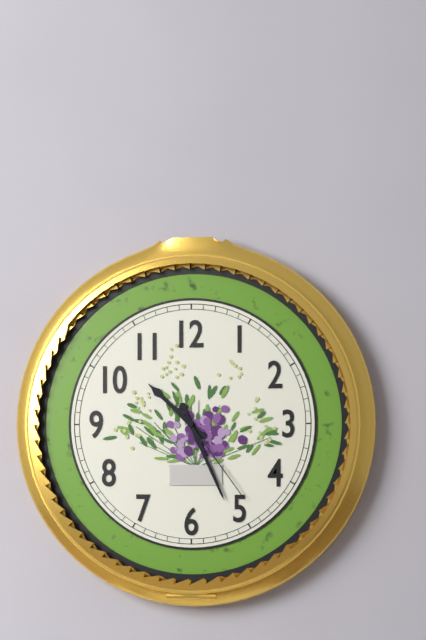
{"hour": 10, "minute": 26, "second": 24}
